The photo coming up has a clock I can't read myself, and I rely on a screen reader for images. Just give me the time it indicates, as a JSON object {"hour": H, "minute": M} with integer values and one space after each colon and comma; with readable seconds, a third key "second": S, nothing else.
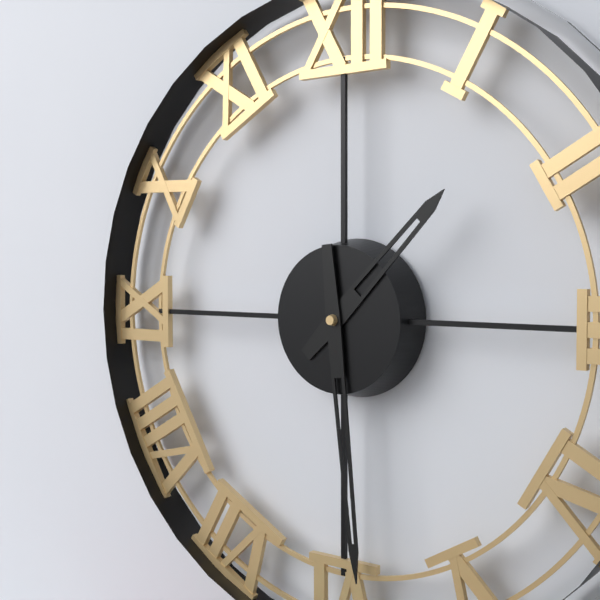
{"hour": 1, "minute": 29}
